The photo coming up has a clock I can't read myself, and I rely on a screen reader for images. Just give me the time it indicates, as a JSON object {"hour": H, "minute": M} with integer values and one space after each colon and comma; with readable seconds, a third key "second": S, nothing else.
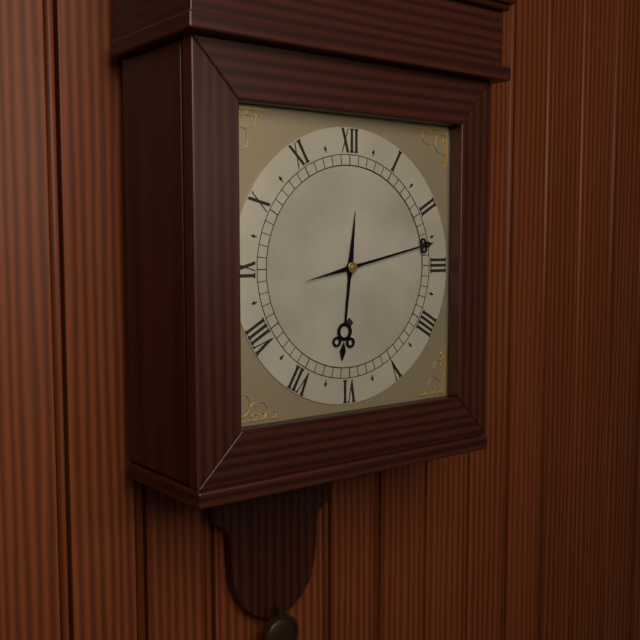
{"hour": 6, "minute": 13}
